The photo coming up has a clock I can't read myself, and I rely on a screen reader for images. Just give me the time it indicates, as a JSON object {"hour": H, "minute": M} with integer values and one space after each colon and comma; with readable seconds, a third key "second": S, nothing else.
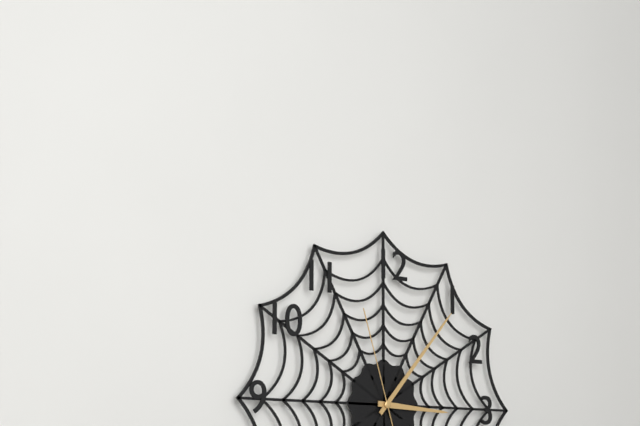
{"hour": 3, "minute": 7, "second": 57}
